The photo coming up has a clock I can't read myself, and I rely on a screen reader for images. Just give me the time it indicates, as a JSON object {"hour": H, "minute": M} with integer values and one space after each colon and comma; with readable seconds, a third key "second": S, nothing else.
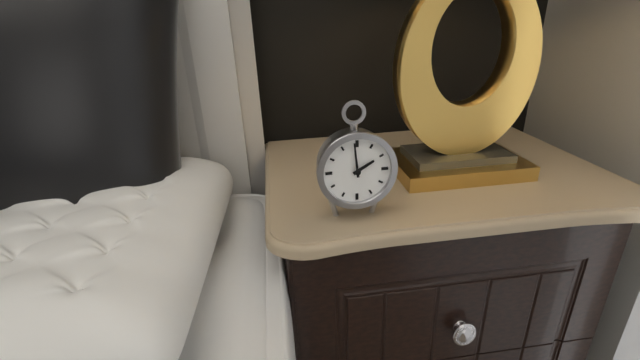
{"hour": 1, "minute": 59}
